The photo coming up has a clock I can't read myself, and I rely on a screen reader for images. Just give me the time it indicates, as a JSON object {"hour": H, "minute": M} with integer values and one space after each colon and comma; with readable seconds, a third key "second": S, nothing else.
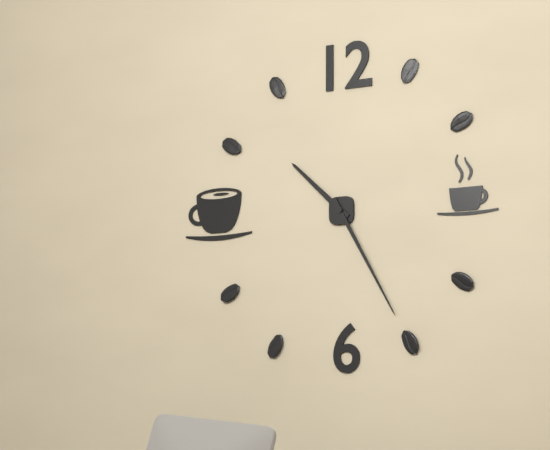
{"hour": 10, "minute": 25}
